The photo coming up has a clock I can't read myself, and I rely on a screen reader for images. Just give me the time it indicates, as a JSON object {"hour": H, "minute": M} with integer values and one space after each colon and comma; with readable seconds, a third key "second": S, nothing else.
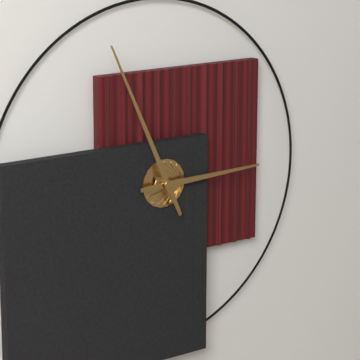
{"hour": 2, "minute": 56}
